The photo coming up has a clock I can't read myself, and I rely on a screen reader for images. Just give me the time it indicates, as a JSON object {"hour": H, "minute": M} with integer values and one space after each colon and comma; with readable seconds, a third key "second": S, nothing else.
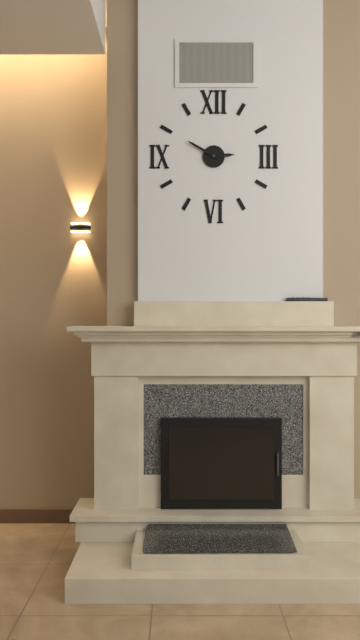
{"hour": 2, "minute": 50}
